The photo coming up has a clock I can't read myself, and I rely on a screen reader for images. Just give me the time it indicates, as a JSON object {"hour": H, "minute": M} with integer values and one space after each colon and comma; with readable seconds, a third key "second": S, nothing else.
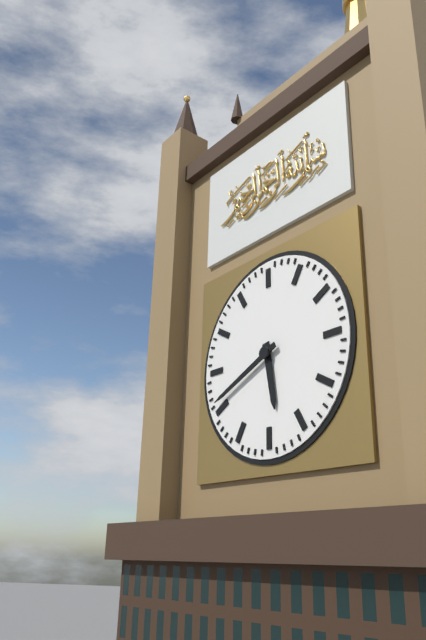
{"hour": 5, "minute": 41}
